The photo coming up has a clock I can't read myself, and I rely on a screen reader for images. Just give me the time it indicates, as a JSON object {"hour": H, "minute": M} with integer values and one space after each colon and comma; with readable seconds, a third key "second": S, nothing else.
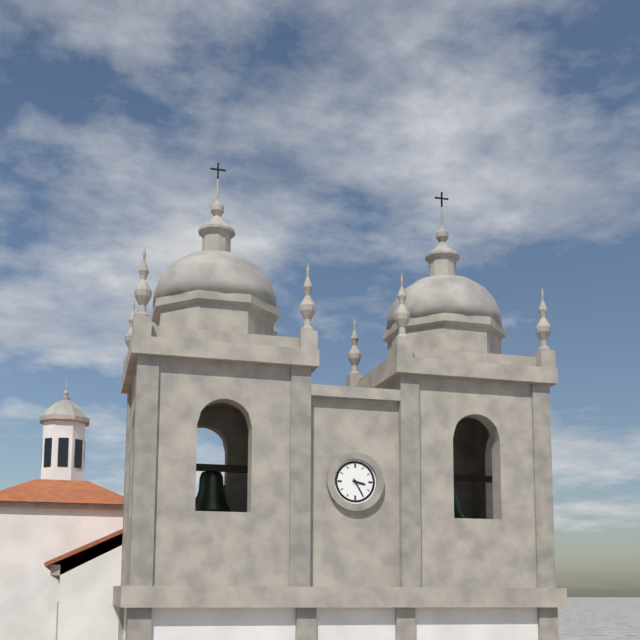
{"hour": 3, "minute": 25}
